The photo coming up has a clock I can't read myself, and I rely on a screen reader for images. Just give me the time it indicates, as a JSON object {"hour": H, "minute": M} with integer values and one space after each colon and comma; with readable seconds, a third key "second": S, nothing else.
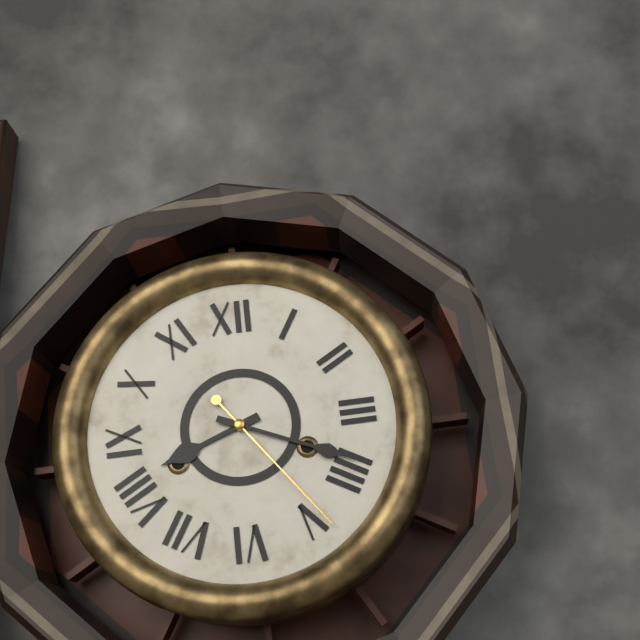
{"hour": 8, "minute": 19, "second": 24}
